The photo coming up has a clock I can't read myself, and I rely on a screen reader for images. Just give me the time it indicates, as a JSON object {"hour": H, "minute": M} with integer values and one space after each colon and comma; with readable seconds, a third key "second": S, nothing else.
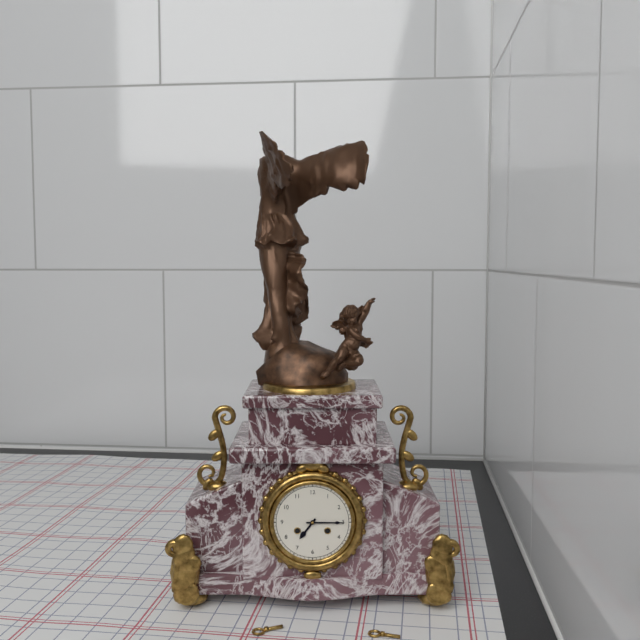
{"hour": 7, "minute": 15}
